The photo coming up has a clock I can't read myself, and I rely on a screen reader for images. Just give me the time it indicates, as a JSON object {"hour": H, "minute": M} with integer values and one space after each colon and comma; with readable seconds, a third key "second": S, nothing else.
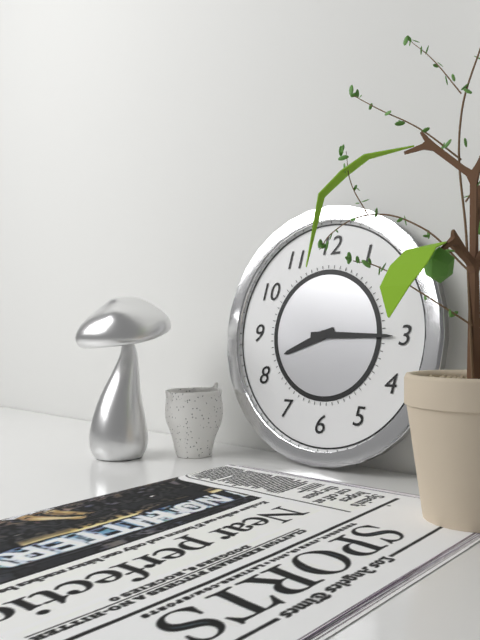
{"hour": 8, "minute": 15}
